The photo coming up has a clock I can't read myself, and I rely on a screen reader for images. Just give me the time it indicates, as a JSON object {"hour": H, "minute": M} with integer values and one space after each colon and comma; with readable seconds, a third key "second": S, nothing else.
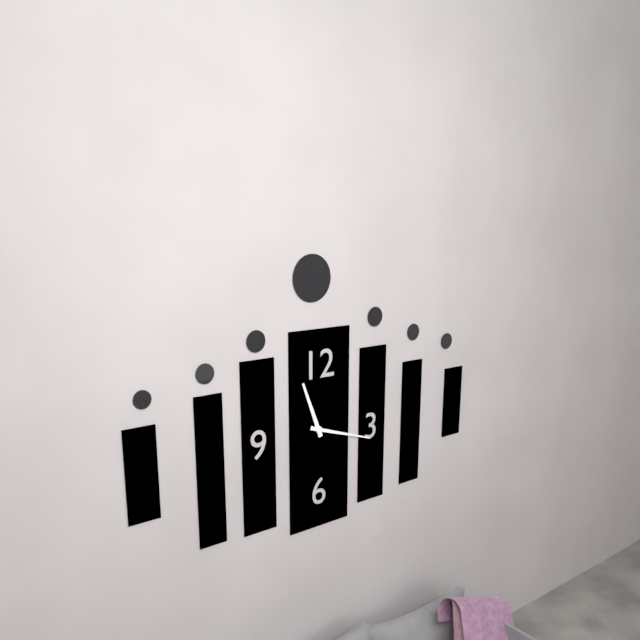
{"hour": 11, "minute": 18}
